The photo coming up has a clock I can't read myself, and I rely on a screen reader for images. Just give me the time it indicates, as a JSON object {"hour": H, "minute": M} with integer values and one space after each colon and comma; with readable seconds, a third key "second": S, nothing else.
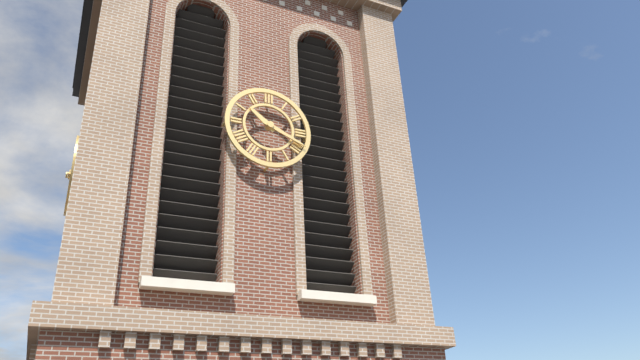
{"hour": 10, "minute": 19}
